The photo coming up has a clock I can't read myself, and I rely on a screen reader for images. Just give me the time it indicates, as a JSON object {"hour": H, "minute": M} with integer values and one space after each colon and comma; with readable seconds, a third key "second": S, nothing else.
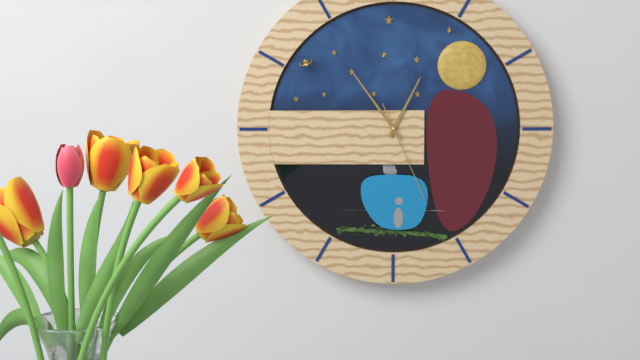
{"hour": 12, "minute": 54, "second": 26}
